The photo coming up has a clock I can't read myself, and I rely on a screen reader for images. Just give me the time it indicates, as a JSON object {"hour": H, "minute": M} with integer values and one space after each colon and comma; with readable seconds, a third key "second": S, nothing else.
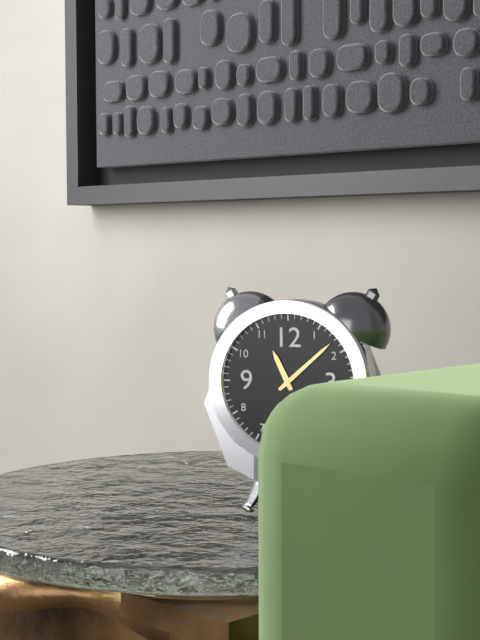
{"hour": 11, "minute": 8}
